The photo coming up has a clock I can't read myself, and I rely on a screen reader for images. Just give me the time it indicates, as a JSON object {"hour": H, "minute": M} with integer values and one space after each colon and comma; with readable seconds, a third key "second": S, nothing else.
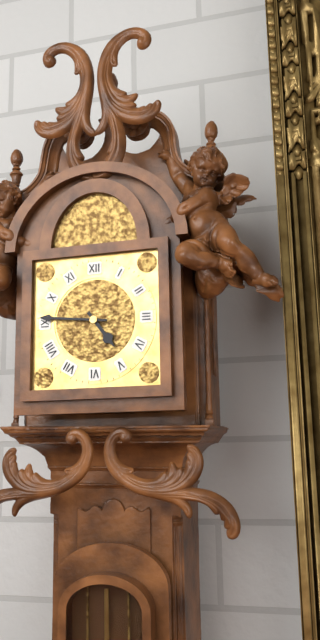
{"hour": 4, "minute": 46}
